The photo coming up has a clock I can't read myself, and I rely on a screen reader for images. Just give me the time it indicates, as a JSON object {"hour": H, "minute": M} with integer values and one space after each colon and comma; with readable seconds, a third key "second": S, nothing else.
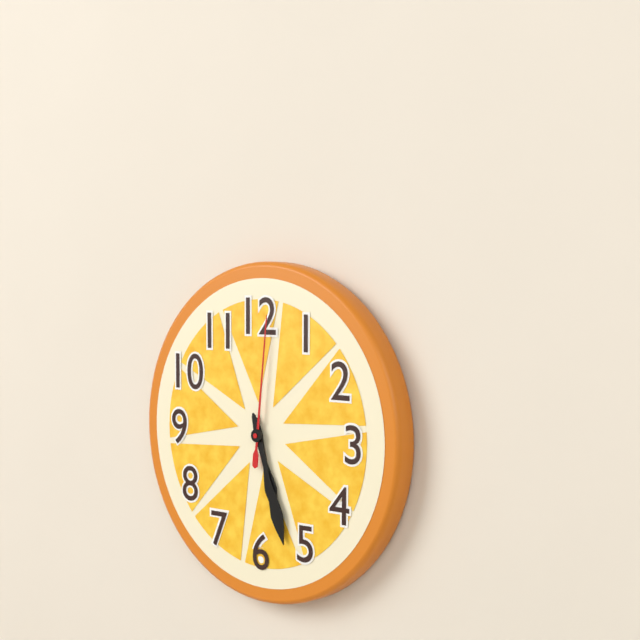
{"hour": 5, "minute": 27, "second": 1}
